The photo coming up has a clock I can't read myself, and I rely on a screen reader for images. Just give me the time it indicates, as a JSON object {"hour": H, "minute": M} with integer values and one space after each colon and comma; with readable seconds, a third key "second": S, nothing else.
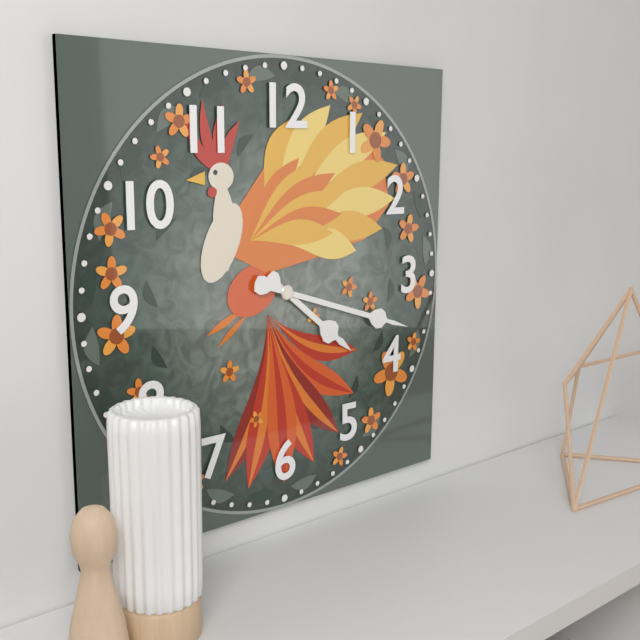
{"hour": 4, "minute": 18}
